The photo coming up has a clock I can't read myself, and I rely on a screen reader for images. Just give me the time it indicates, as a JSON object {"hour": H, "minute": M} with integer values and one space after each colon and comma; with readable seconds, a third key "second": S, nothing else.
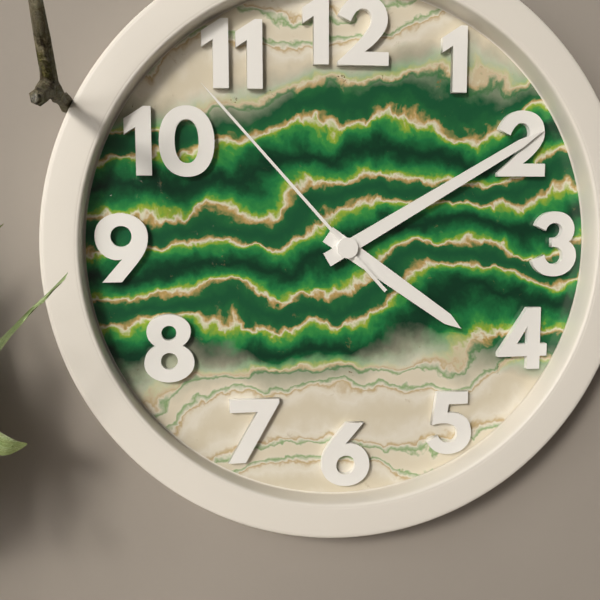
{"hour": 4, "minute": 10, "second": 53}
